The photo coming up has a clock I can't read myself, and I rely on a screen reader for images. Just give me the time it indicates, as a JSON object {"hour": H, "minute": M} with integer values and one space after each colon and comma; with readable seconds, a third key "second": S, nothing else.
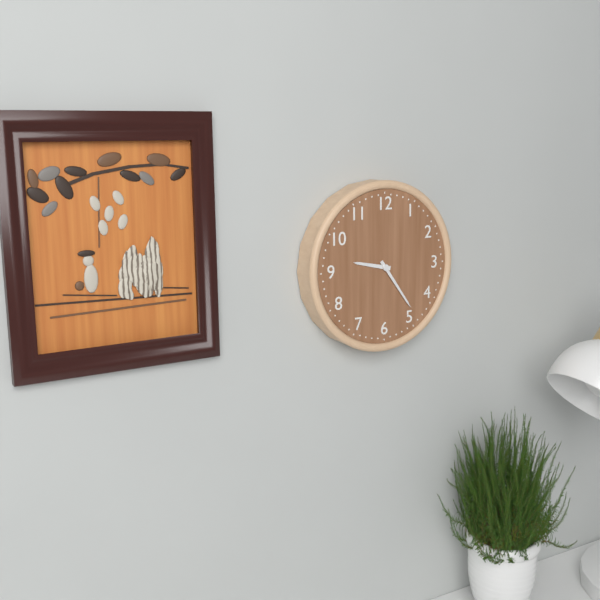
{"hour": 9, "minute": 24}
